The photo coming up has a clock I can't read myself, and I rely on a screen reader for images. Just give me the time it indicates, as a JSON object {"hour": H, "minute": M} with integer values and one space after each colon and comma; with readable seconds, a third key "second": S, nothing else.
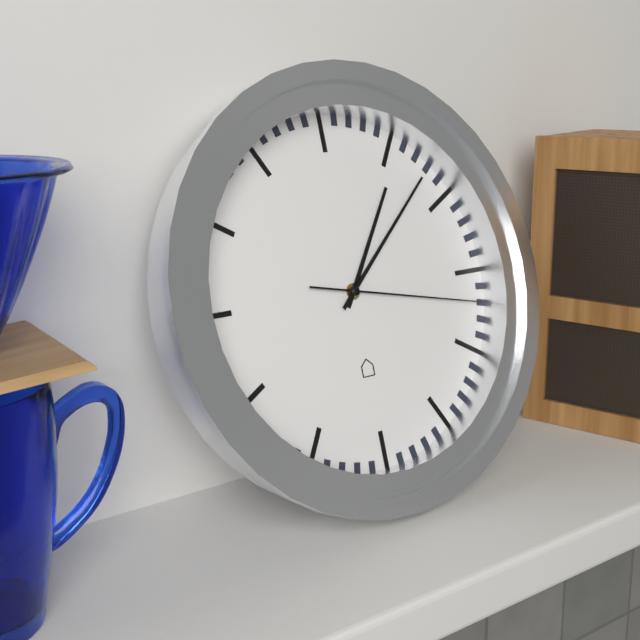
{"hour": 1, "minute": 8, "second": 17}
